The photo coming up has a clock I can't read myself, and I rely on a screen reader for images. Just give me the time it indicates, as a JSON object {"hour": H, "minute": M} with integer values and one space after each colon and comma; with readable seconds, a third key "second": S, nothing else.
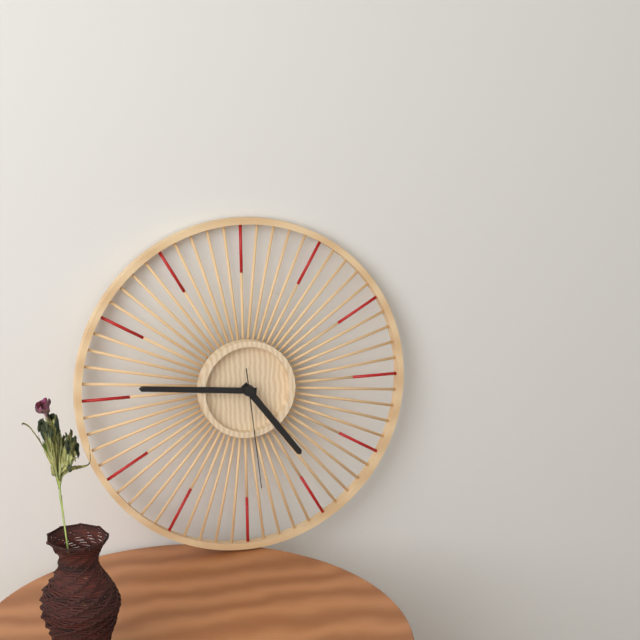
{"hour": 4, "minute": 46, "second": 29}
